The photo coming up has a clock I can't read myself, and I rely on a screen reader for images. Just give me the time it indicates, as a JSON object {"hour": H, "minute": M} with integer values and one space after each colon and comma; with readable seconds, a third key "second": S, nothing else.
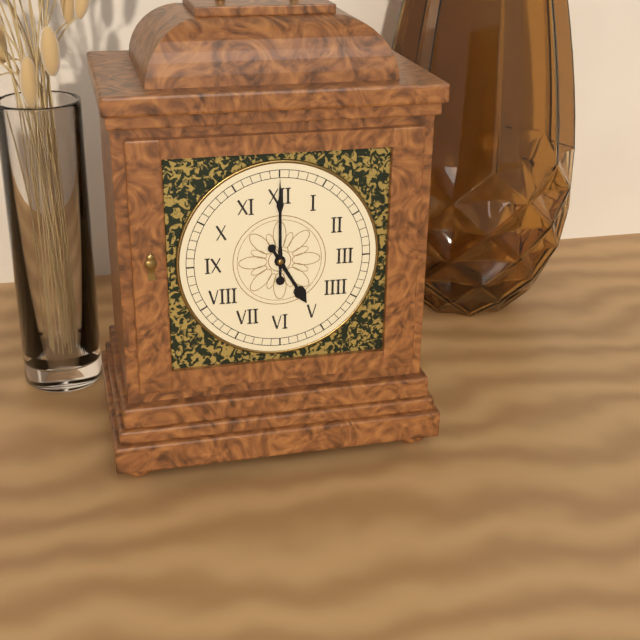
{"hour": 5, "minute": 0}
